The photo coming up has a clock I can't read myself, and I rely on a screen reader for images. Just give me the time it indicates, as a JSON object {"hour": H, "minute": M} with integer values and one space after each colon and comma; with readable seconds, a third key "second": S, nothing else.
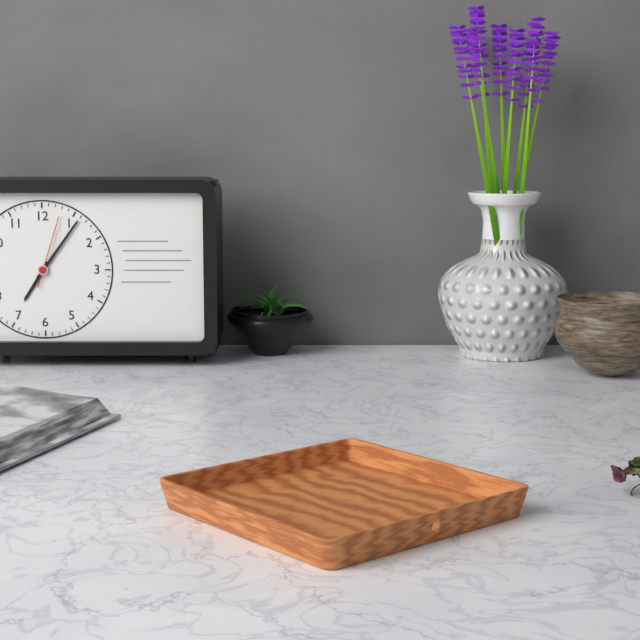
{"hour": 7, "minute": 6, "second": 3}
